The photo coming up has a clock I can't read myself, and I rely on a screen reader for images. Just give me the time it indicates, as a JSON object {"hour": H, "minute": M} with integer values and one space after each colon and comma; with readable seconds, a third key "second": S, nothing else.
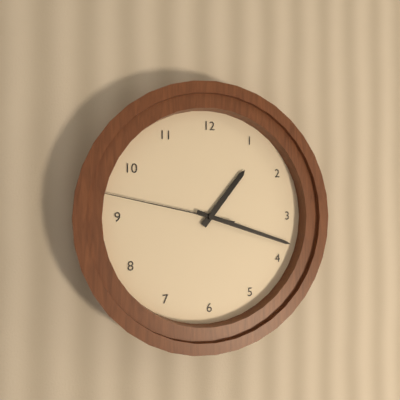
{"hour": 1, "minute": 18, "second": 47}
